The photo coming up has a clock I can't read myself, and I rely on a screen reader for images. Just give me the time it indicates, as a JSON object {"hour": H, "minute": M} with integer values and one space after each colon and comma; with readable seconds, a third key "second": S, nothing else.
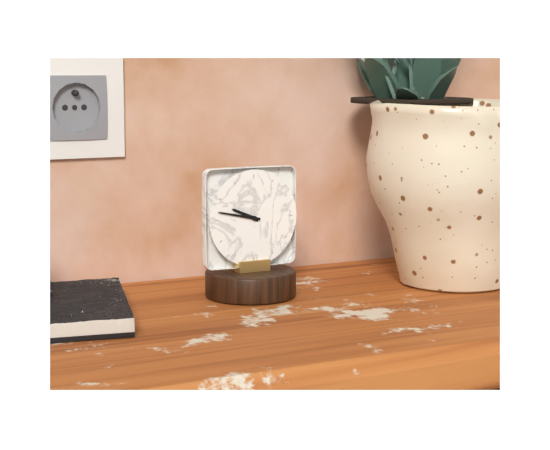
{"hour": 9, "minute": 47}
